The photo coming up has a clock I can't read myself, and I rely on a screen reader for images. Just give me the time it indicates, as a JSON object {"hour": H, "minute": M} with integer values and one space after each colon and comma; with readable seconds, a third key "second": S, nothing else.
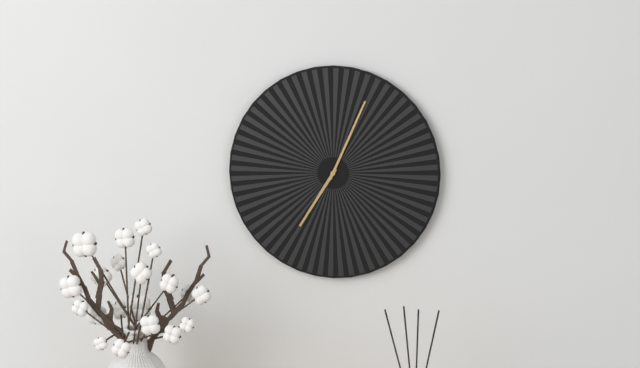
{"hour": 7, "minute": 4}
